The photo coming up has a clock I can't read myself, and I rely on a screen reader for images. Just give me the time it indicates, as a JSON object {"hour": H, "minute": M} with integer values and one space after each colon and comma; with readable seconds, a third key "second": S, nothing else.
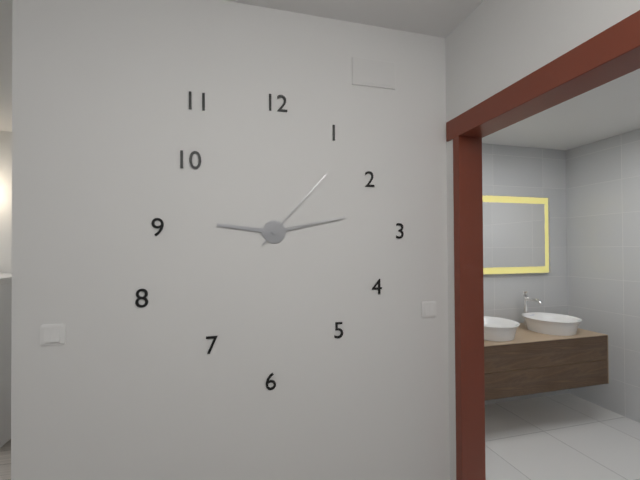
{"hour": 9, "minute": 13, "second": 7}
